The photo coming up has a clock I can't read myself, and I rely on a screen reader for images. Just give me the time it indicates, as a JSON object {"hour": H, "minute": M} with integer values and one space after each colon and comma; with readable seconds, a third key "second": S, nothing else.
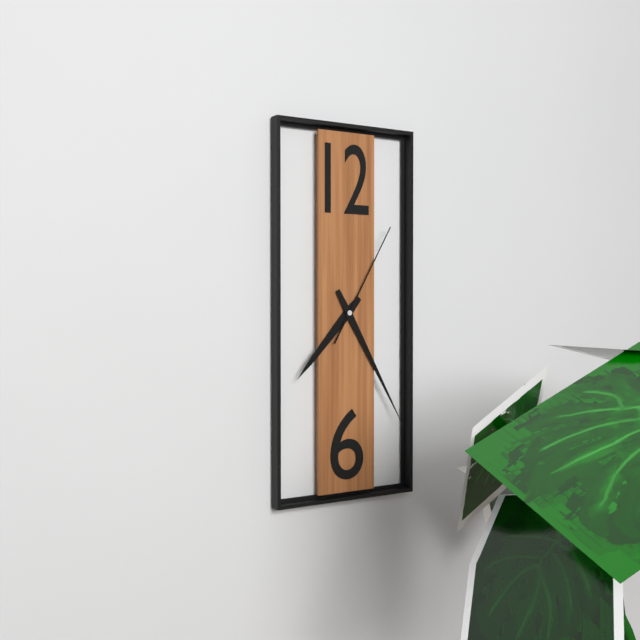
{"hour": 7, "minute": 25, "second": 5}
